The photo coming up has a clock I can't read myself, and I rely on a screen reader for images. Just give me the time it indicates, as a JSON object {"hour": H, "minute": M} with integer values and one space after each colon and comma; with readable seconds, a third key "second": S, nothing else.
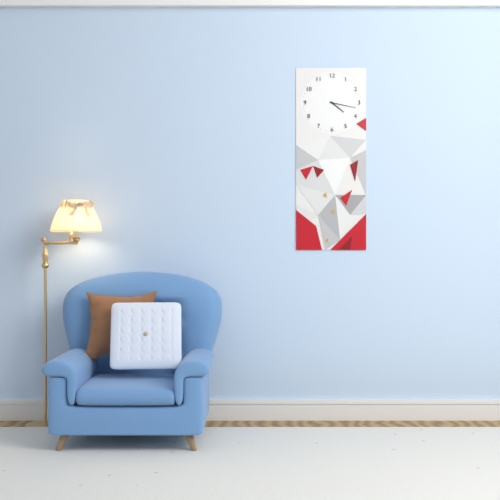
{"hour": 4, "minute": 17}
